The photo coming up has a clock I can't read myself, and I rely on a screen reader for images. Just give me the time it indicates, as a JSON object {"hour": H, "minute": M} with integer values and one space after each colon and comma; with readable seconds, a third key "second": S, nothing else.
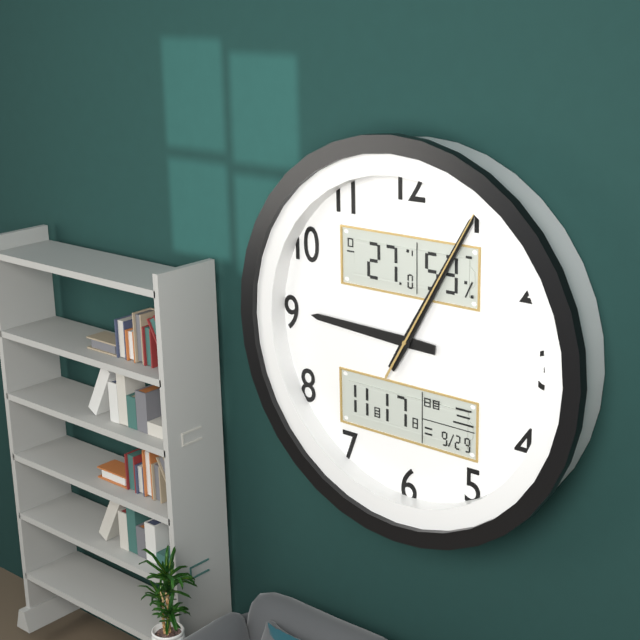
{"hour": 9, "minute": 5, "second": 5}
